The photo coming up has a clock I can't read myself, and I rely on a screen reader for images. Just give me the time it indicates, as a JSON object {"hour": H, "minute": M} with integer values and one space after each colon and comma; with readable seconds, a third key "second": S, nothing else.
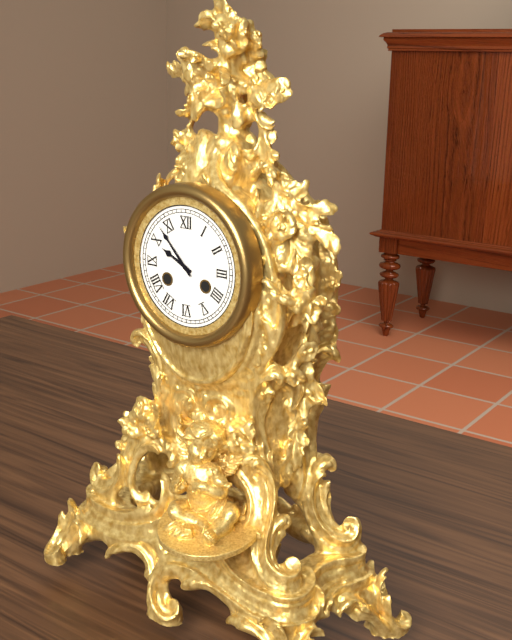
{"hour": 9, "minute": 53}
